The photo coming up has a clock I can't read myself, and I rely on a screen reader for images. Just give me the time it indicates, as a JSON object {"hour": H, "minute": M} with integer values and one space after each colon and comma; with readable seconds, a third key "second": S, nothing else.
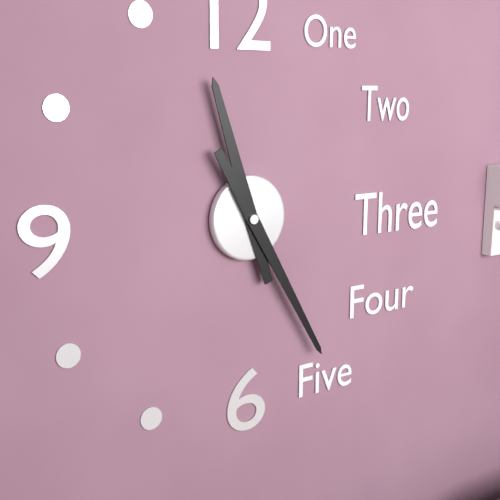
{"hour": 11, "minute": 25}
